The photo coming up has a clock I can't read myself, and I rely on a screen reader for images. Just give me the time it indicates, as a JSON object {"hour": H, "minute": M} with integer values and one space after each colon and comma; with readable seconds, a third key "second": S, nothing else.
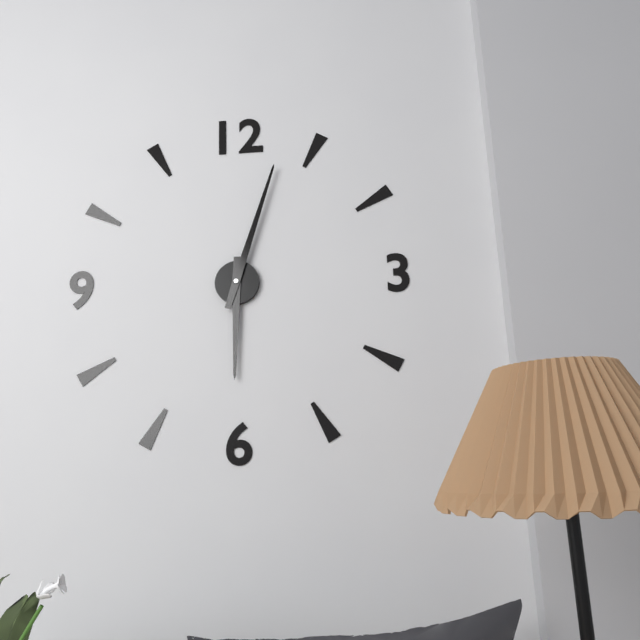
{"hour": 6, "minute": 3}
